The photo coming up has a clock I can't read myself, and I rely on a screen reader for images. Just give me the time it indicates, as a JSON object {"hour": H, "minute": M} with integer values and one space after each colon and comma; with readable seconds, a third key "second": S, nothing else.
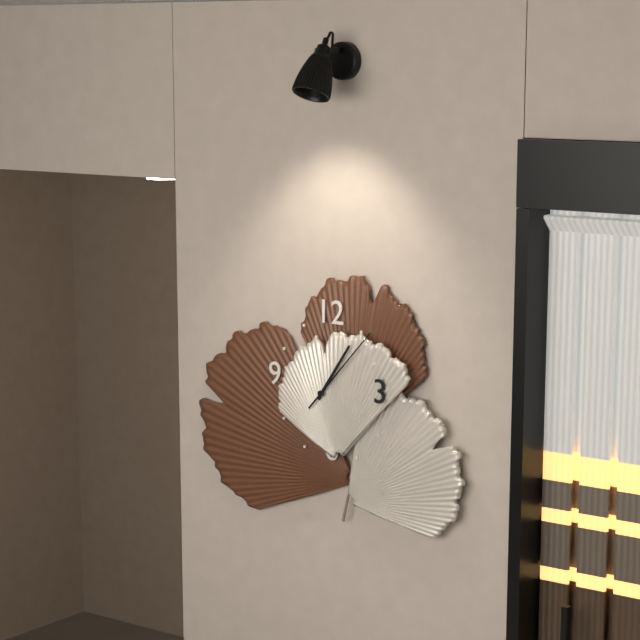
{"hour": 1, "minute": 7}
